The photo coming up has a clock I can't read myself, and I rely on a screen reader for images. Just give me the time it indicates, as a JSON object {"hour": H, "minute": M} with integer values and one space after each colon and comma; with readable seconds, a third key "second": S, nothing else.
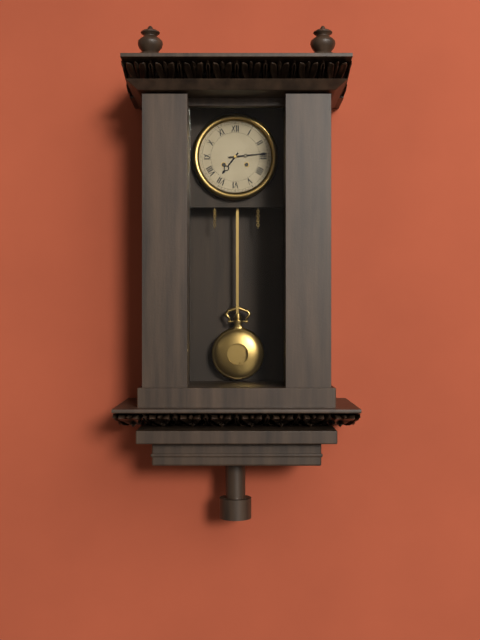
{"hour": 7, "minute": 14}
